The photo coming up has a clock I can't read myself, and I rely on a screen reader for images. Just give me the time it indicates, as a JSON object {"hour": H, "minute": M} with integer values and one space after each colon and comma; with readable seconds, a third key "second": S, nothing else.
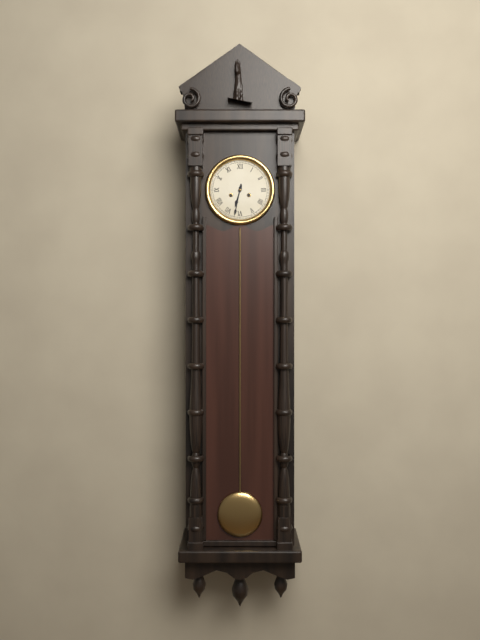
{"hour": 6, "minute": 32}
